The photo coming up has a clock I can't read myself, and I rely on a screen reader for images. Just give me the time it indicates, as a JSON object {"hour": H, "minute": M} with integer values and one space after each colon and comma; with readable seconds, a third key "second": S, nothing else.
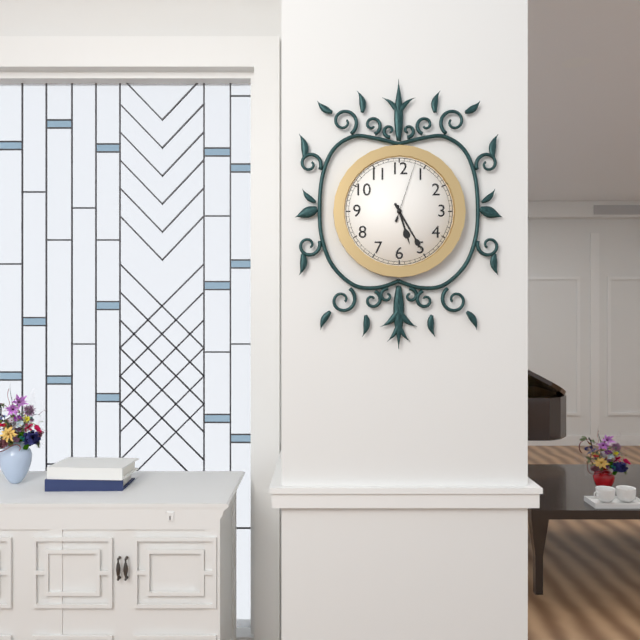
{"hour": 5, "minute": 25, "second": 3}
